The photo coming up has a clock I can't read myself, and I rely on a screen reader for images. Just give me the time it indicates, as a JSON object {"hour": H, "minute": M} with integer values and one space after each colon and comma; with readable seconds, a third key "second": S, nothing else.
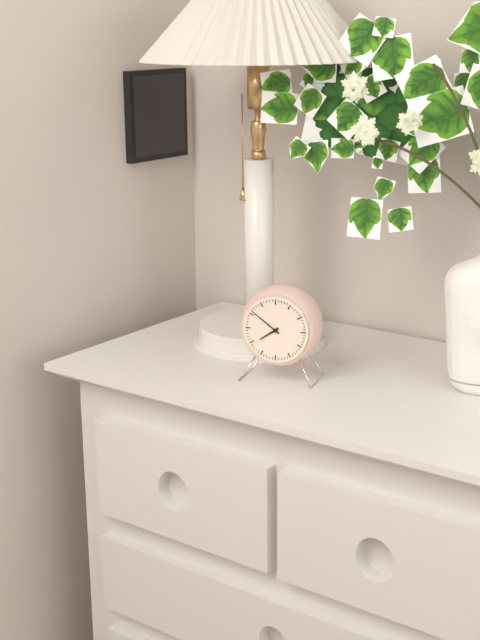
{"hour": 7, "minute": 51}
